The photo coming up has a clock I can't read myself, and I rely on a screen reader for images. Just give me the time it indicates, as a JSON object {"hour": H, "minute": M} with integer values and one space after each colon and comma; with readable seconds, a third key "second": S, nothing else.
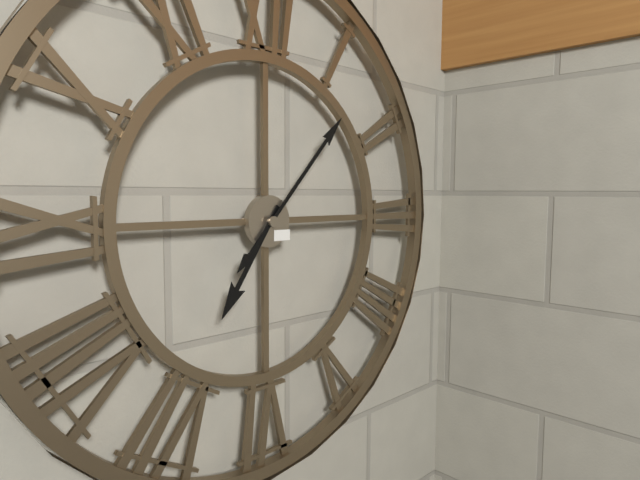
{"hour": 7, "minute": 7}
